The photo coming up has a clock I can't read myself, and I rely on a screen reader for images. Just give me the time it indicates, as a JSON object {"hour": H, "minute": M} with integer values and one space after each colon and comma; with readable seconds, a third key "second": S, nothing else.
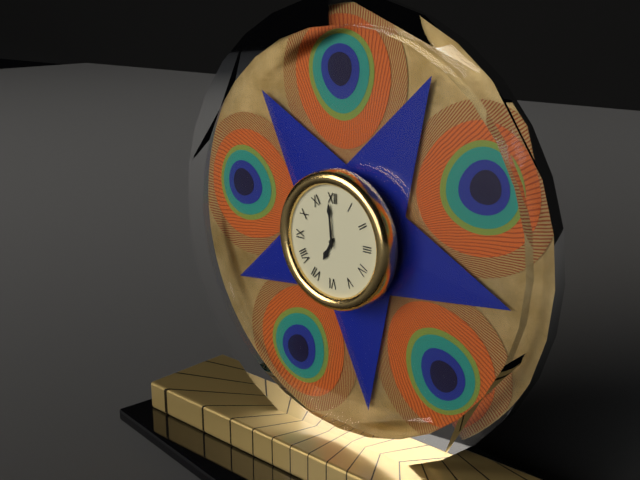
{"hour": 6, "minute": 59}
